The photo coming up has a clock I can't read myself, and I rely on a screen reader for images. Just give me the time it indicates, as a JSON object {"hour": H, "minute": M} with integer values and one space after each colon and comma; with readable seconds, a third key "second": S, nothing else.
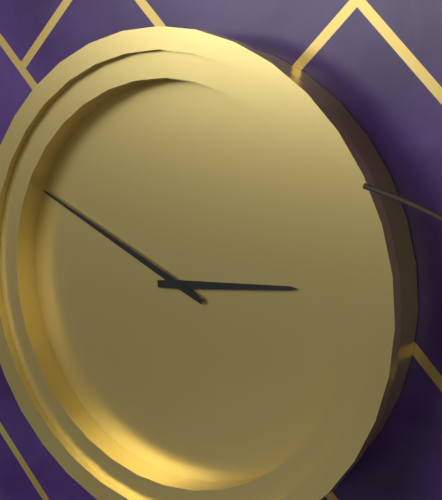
{"hour": 2, "minute": 49}
